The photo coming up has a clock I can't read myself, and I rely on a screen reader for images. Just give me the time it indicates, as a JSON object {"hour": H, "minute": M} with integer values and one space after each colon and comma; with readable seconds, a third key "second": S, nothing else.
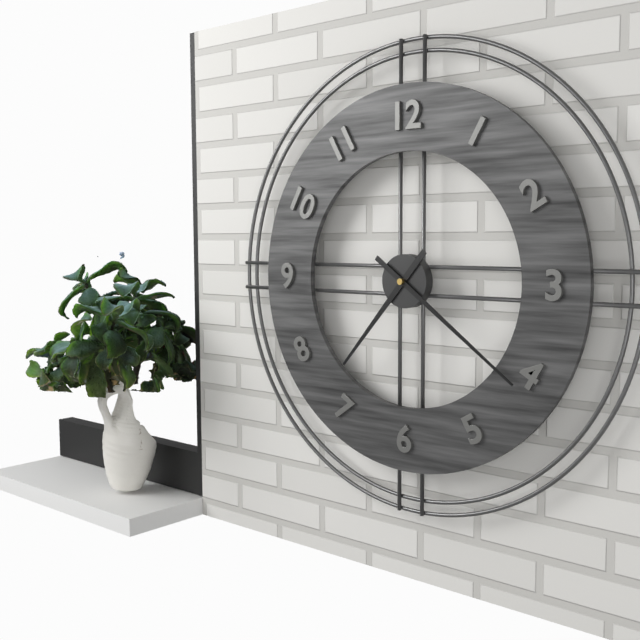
{"hour": 7, "minute": 21}
